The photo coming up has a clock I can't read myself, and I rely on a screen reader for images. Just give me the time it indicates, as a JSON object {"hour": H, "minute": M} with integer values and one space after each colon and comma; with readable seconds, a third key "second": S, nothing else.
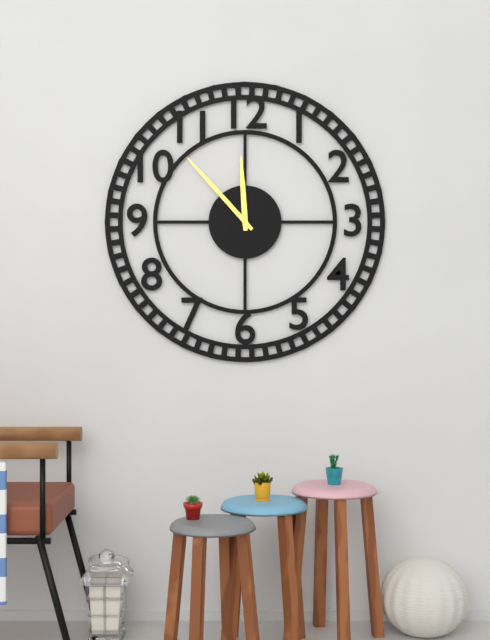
{"hour": 11, "minute": 53}
